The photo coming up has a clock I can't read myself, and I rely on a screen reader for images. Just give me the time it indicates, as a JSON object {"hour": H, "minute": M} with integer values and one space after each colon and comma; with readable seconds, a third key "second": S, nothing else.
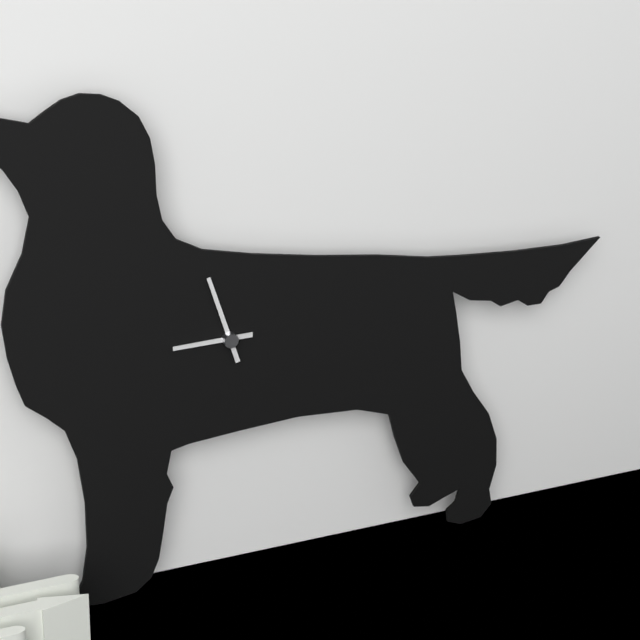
{"hour": 8, "minute": 57}
